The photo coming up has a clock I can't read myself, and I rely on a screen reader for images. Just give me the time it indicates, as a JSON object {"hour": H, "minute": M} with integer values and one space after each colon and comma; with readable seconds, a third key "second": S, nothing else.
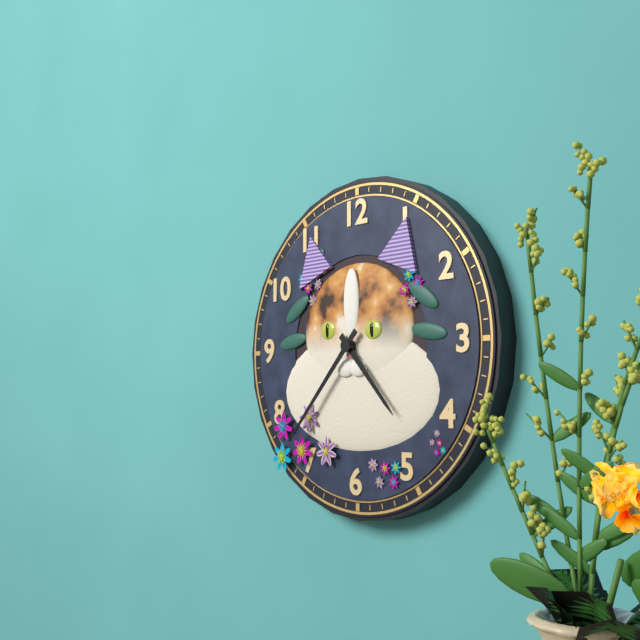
{"hour": 4, "minute": 37}
